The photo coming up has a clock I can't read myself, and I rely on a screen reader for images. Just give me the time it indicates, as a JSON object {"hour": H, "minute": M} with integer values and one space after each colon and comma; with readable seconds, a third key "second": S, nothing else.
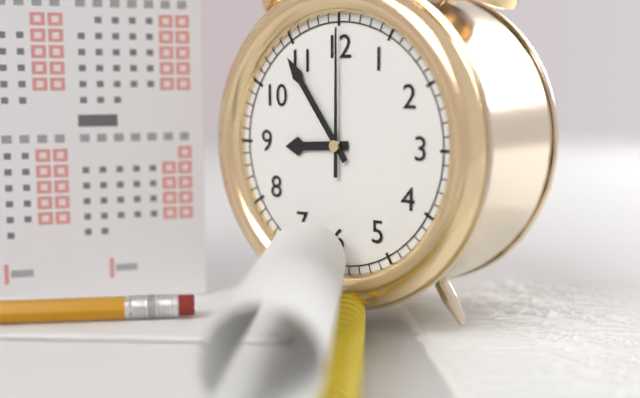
{"hour": 8, "minute": 54, "second": 0}
